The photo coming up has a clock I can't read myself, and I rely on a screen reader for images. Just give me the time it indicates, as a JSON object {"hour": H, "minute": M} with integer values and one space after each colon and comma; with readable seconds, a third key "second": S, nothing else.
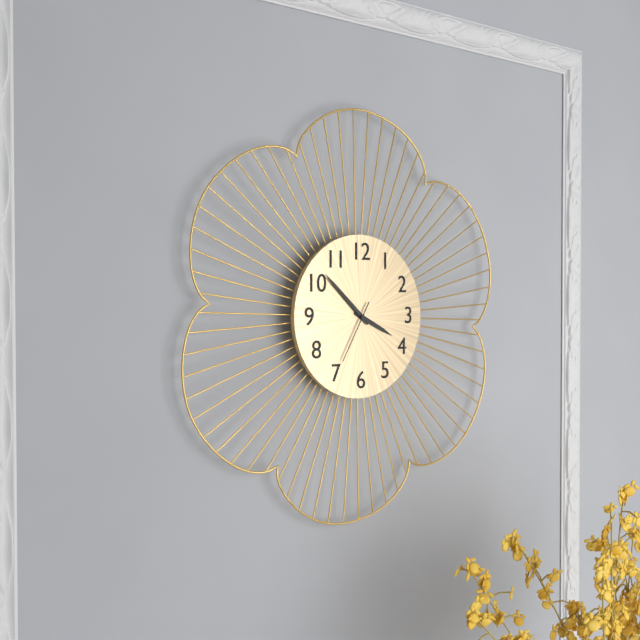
{"hour": 3, "minute": 52, "second": 35}
